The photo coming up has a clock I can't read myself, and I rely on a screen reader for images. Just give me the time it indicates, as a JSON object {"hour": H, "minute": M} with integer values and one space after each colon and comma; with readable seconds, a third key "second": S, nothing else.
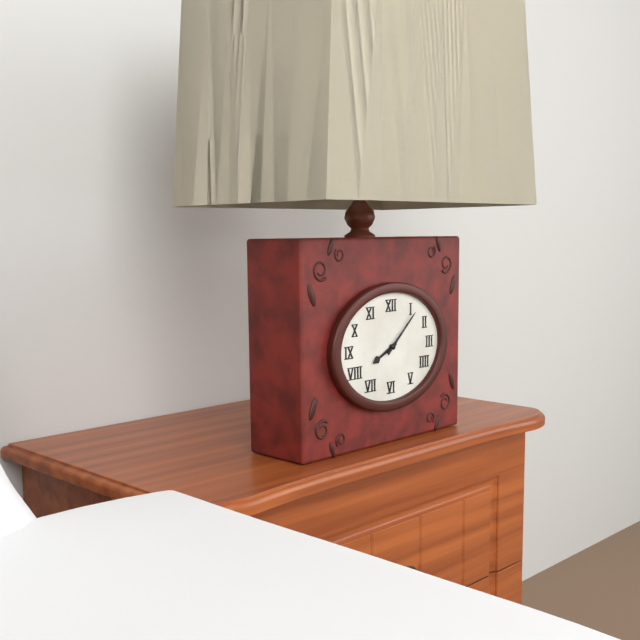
{"hour": 8, "minute": 8}
